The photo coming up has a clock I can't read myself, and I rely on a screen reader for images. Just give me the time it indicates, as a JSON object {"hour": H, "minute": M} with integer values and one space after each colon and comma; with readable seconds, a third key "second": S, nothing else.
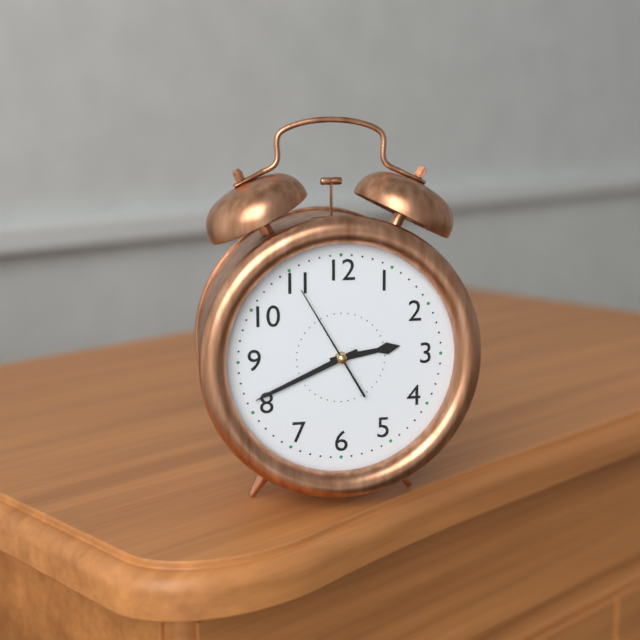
{"hour": 2, "minute": 41, "second": 55}
